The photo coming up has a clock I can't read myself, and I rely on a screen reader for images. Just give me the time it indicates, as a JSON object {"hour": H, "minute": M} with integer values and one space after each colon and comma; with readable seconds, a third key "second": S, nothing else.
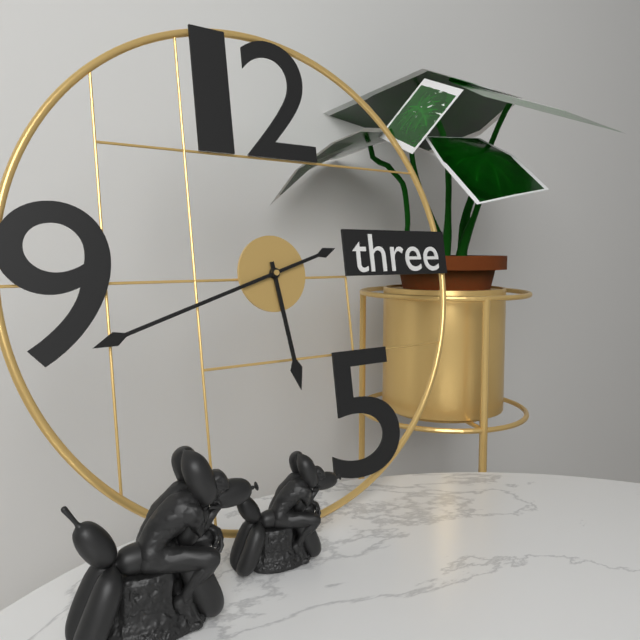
{"hour": 5, "minute": 42}
